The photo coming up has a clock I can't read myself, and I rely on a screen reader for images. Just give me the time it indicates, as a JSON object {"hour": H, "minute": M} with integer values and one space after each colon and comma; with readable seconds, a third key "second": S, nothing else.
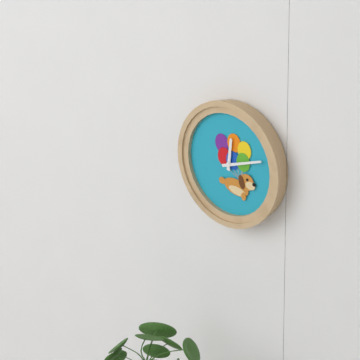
{"hour": 12, "minute": 12}
